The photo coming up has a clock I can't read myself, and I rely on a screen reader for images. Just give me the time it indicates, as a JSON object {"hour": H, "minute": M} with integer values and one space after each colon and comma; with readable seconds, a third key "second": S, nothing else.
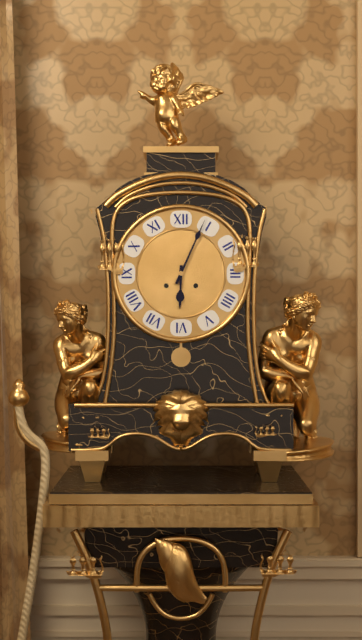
{"hour": 6, "minute": 4}
